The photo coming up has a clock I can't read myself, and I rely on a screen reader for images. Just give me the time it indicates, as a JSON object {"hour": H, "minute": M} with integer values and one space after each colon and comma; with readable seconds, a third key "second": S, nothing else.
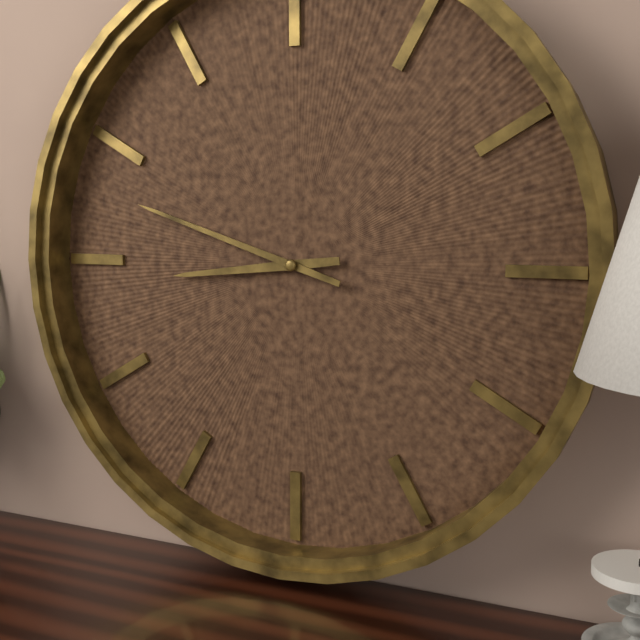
{"hour": 8, "minute": 48}
